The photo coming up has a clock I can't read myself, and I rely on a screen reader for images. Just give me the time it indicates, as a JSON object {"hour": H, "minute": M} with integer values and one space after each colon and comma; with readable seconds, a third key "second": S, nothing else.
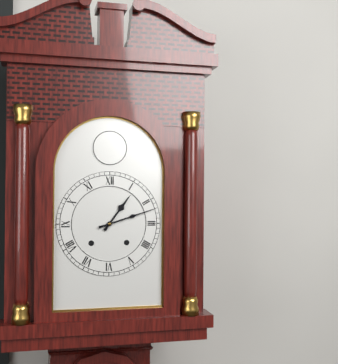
{"hour": 1, "minute": 12}
